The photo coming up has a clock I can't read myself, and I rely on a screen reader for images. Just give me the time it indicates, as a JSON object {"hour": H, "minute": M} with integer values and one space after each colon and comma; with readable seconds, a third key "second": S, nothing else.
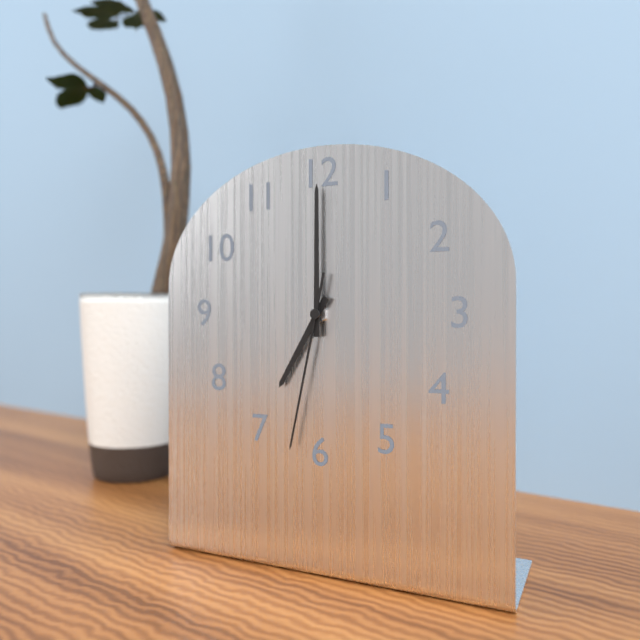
{"hour": 7, "minute": 0, "second": 32}
